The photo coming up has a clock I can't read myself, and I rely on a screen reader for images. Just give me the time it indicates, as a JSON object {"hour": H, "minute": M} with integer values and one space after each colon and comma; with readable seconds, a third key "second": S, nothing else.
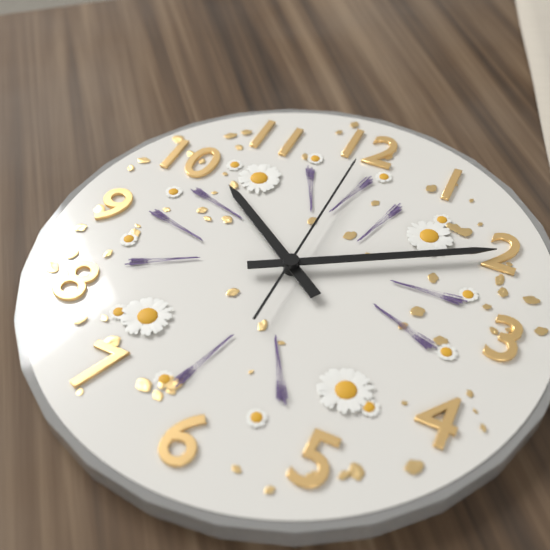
{"hour": 10, "minute": 10, "second": 0}
